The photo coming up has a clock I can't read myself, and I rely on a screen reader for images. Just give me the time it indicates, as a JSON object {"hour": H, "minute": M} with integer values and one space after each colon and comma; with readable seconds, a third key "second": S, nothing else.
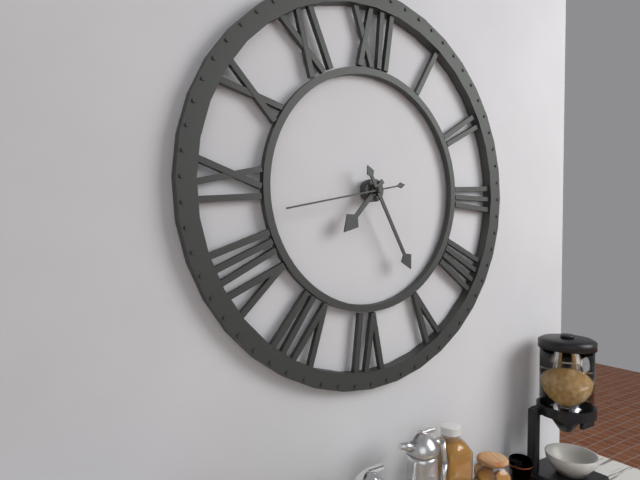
{"hour": 7, "minute": 25, "second": 43}
